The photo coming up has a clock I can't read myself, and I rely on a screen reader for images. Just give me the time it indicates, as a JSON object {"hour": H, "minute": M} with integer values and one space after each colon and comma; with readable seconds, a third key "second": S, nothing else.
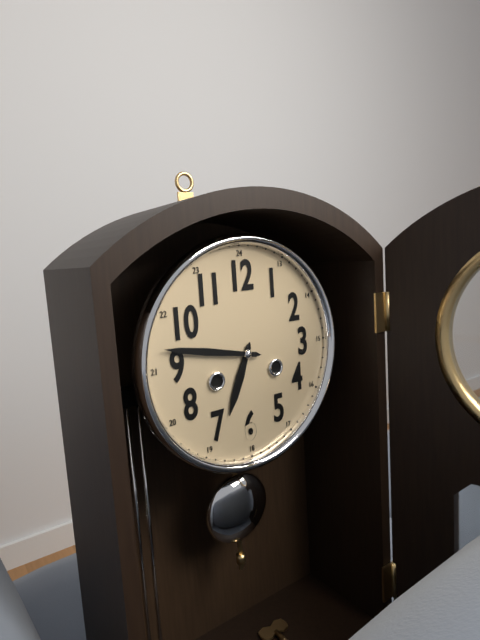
{"hour": 6, "minute": 47}
